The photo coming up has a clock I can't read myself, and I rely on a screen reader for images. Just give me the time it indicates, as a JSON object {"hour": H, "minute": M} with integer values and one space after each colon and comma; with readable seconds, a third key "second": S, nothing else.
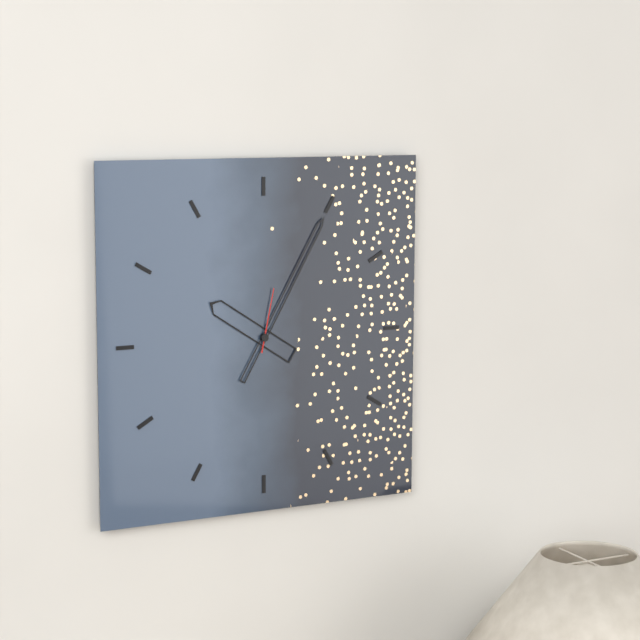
{"hour": 10, "minute": 5, "second": 2}
